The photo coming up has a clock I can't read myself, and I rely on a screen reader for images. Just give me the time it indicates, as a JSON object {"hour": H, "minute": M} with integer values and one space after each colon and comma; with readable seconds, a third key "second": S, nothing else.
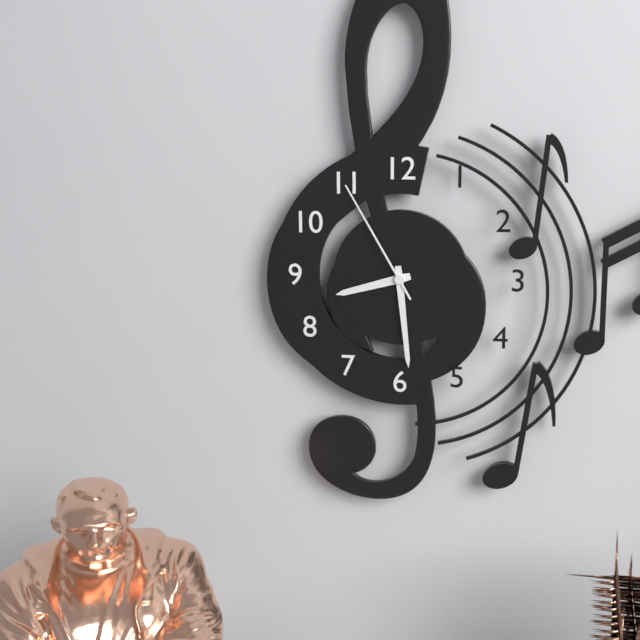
{"hour": 8, "minute": 29, "second": 55}
